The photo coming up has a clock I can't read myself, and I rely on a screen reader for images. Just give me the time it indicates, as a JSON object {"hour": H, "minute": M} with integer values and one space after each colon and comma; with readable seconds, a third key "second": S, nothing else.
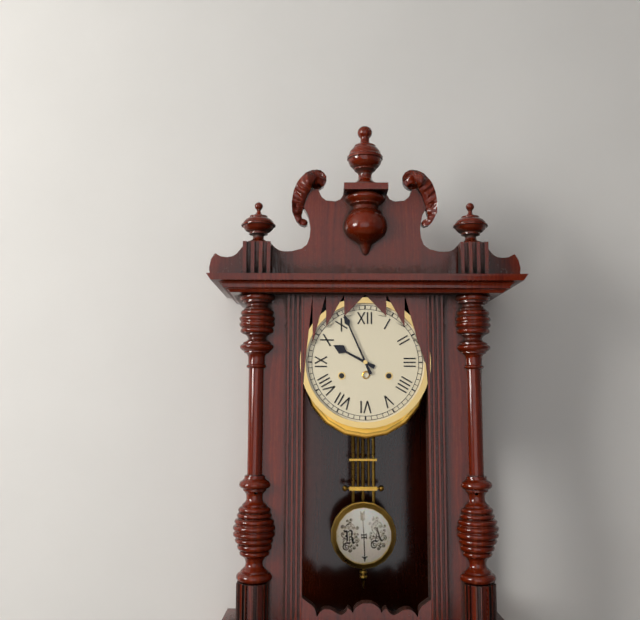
{"hour": 9, "minute": 56}
